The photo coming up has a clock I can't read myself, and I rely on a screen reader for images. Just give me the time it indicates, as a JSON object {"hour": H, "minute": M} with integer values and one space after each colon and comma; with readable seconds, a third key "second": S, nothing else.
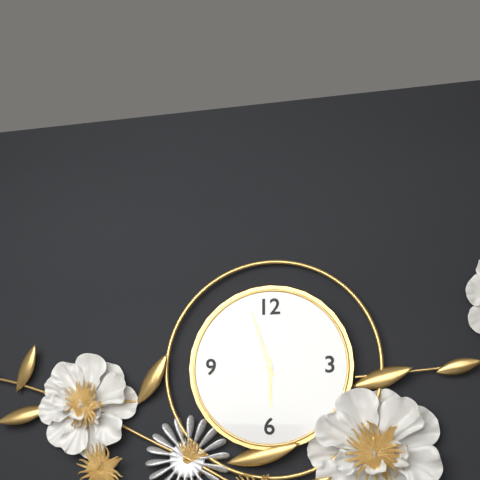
{"hour": 5, "minute": 57}
